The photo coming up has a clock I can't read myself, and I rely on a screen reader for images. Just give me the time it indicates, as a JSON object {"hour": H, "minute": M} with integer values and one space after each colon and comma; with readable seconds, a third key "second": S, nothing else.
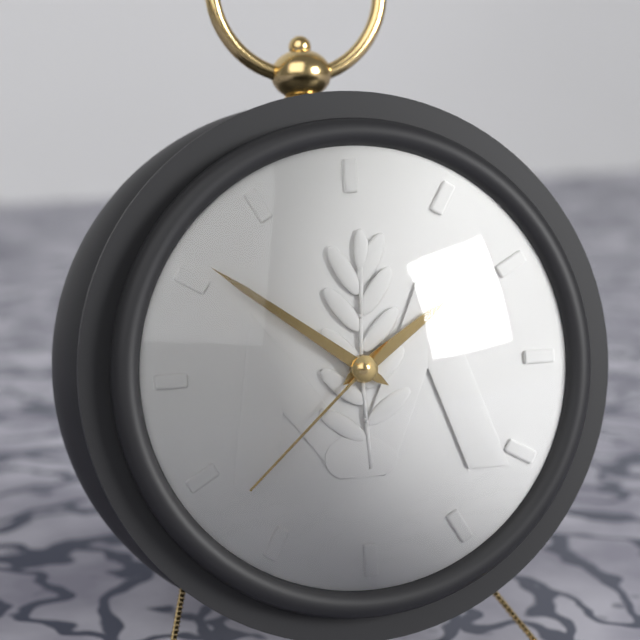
{"hour": 1, "minute": 51, "second": 38}
